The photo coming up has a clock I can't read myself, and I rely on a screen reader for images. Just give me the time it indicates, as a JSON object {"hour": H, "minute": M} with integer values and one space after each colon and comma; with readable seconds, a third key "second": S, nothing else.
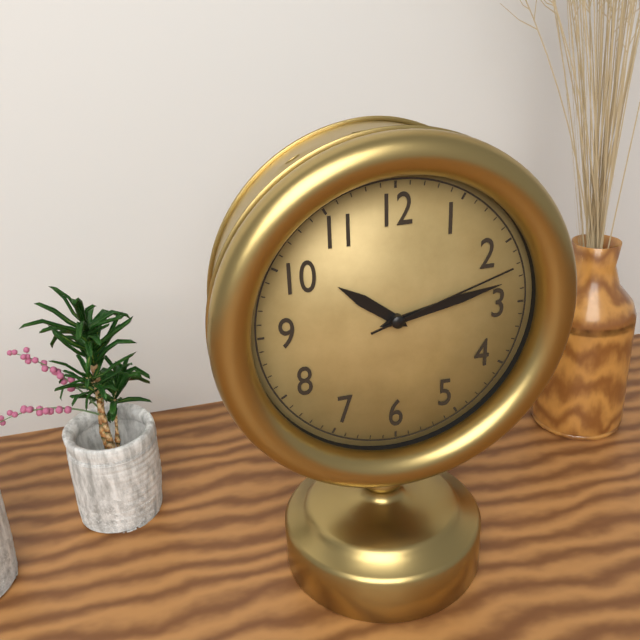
{"hour": 10, "minute": 13, "second": 12}
